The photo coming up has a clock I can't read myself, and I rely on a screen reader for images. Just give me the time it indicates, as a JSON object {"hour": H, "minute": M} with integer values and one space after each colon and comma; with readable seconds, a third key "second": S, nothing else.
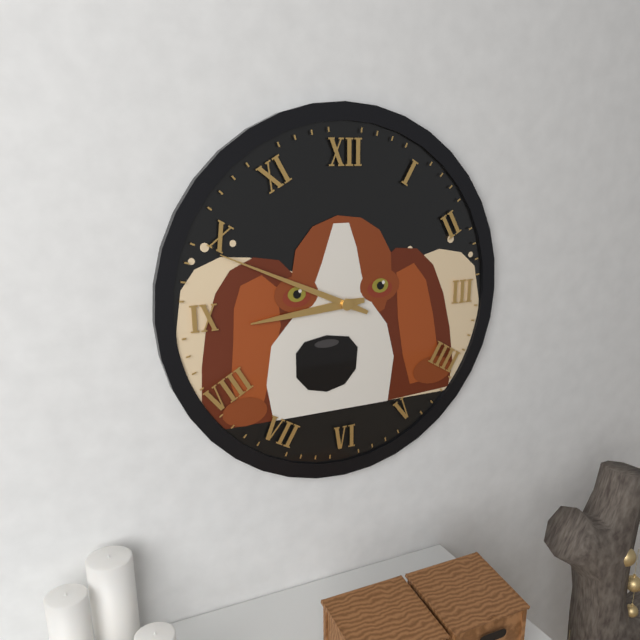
{"hour": 8, "minute": 49}
